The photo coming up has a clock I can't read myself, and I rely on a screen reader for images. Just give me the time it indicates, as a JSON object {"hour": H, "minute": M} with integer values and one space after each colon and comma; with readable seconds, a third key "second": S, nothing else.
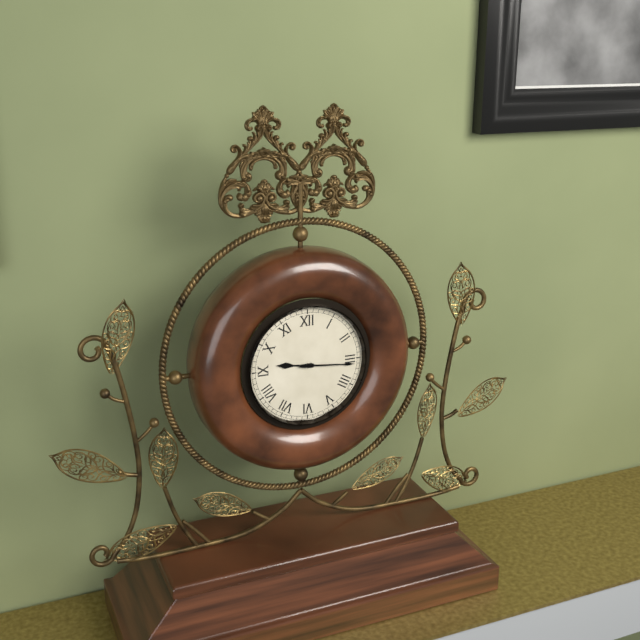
{"hour": 9, "minute": 16}
